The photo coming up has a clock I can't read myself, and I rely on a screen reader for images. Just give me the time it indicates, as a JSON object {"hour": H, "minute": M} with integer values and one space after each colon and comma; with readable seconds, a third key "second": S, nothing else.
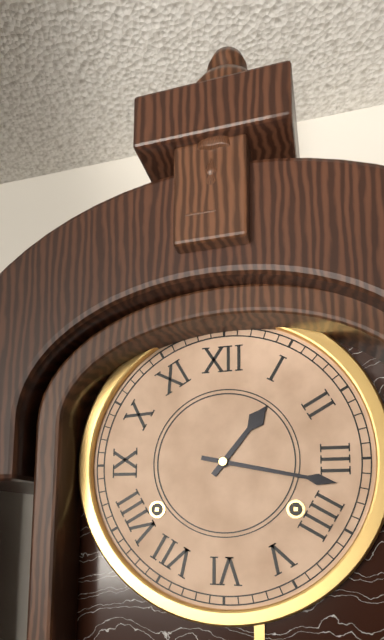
{"hour": 1, "minute": 17}
